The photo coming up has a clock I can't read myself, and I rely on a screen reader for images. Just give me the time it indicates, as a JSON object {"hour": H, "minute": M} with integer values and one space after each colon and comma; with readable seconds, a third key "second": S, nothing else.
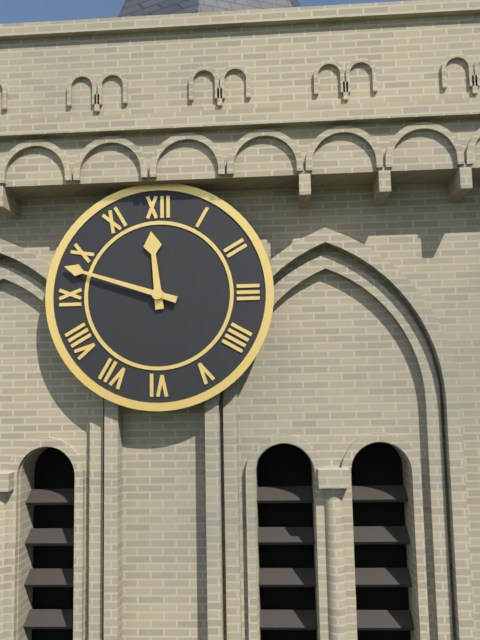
{"hour": 11, "minute": 48}
